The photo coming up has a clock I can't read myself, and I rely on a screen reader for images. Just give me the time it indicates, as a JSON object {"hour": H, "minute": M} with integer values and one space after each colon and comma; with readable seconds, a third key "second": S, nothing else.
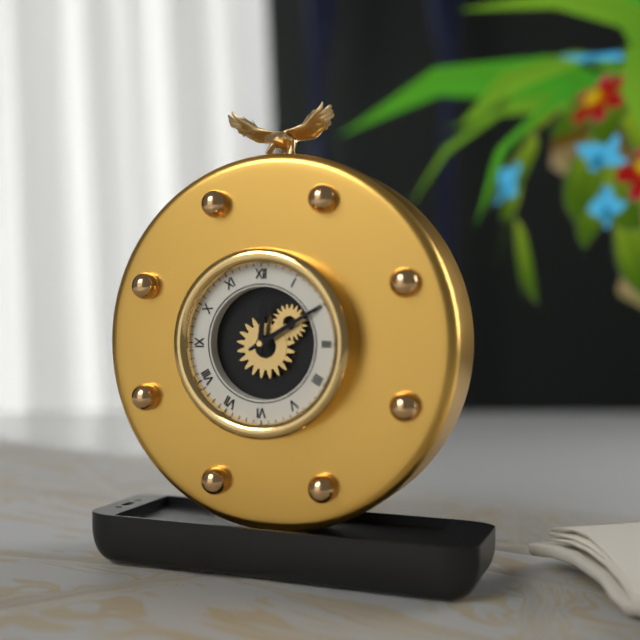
{"hour": 12, "minute": 10}
